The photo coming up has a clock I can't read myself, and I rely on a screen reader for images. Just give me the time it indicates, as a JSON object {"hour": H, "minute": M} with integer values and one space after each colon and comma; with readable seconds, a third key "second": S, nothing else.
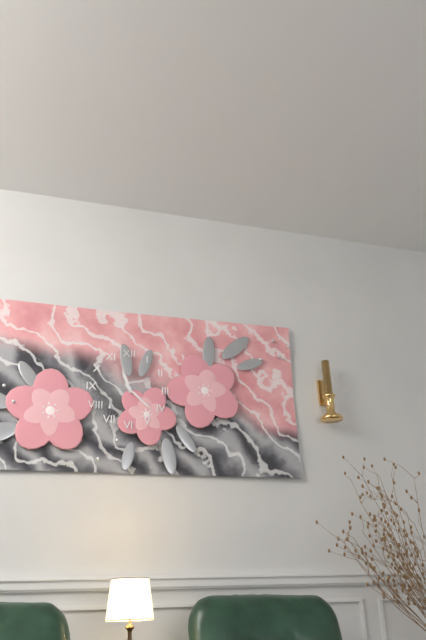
{"hour": 11, "minute": 22}
